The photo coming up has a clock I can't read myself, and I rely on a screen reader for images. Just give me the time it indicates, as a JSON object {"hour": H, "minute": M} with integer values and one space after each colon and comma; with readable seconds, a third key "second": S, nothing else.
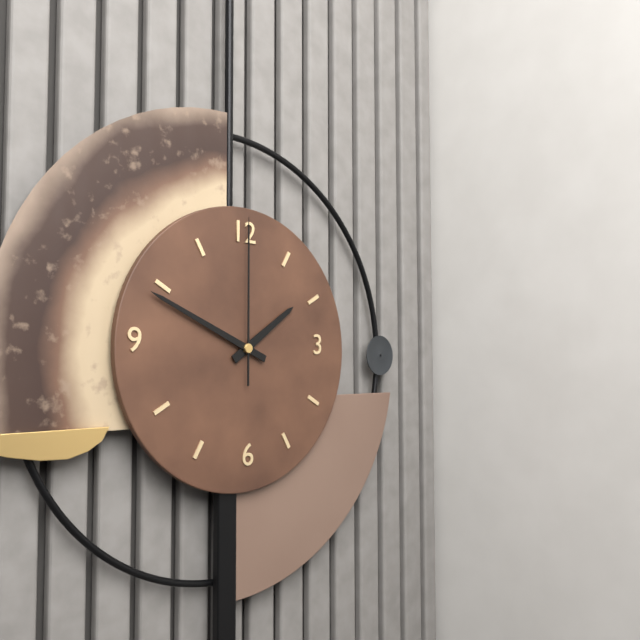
{"hour": 1, "minute": 49, "second": 0}
